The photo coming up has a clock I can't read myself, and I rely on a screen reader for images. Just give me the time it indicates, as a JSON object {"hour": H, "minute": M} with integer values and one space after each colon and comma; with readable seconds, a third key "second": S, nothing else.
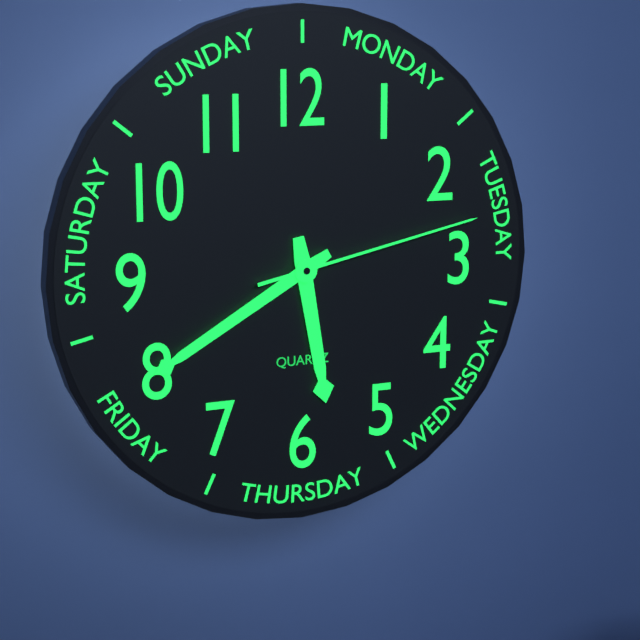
{"hour": 5, "minute": 40, "second": 13}
